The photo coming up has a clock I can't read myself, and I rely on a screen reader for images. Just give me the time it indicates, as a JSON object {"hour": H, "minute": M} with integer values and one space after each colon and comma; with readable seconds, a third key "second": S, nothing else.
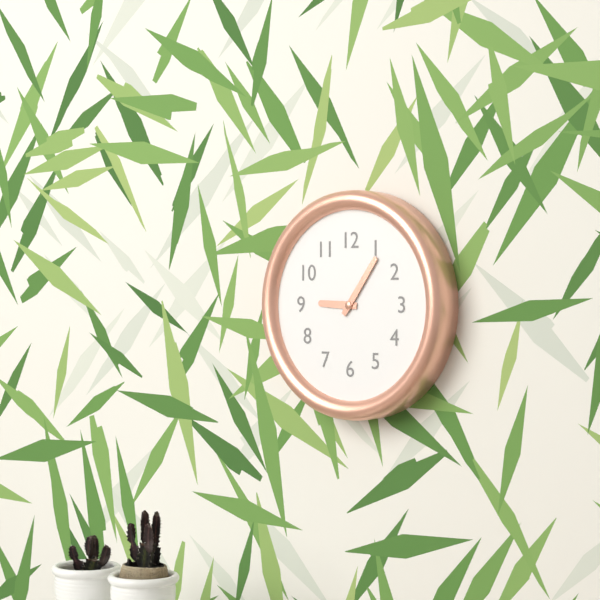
{"hour": 9, "minute": 6}
